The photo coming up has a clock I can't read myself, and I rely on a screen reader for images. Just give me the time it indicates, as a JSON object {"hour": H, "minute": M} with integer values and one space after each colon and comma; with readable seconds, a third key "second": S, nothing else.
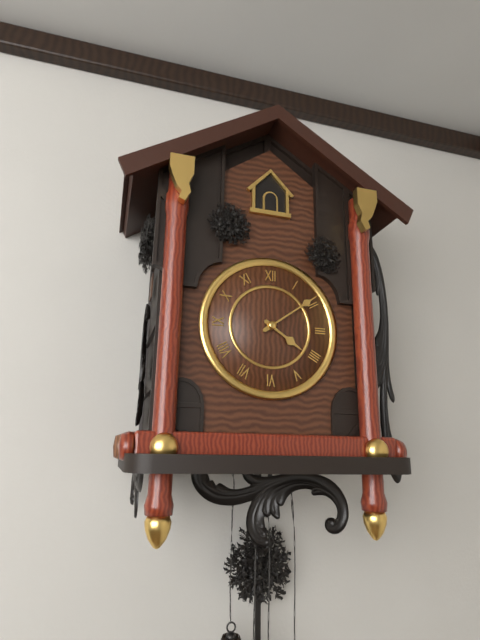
{"hour": 4, "minute": 9}
